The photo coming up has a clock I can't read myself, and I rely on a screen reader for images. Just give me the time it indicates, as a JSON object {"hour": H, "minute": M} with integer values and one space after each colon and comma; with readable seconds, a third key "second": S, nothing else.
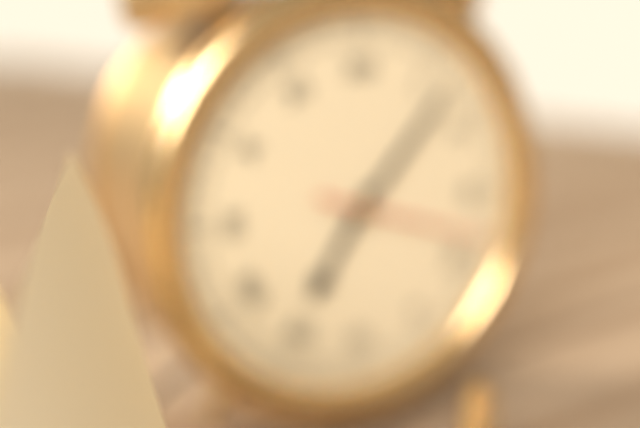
{"hour": 7, "minute": 7, "second": 18}
